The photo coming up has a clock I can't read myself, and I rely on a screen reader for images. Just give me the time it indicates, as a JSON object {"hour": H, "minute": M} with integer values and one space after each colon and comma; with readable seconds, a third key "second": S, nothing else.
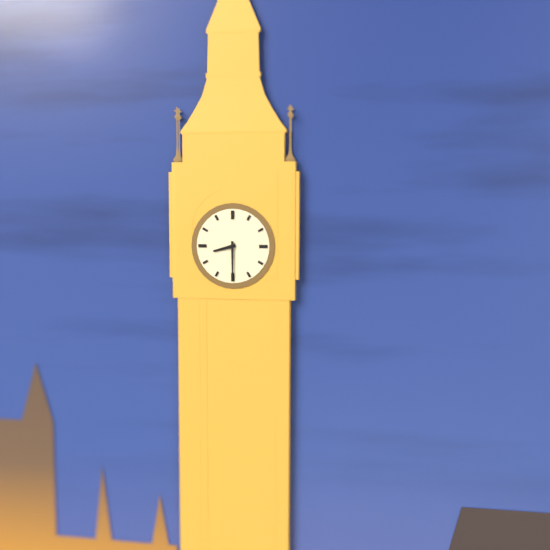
{"hour": 8, "minute": 30}
